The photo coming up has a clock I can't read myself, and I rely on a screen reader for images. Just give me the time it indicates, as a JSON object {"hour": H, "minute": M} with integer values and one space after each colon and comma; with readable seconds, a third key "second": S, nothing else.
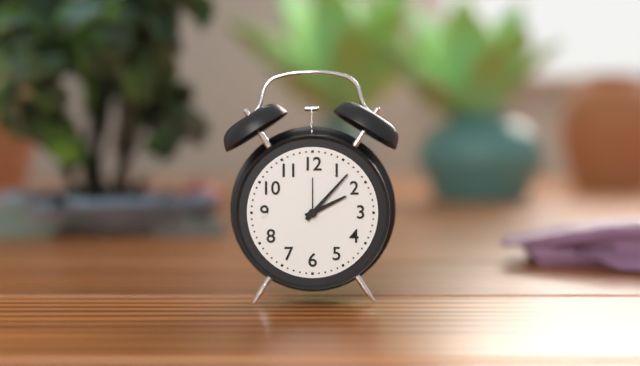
{"hour": 2, "minute": 7}
